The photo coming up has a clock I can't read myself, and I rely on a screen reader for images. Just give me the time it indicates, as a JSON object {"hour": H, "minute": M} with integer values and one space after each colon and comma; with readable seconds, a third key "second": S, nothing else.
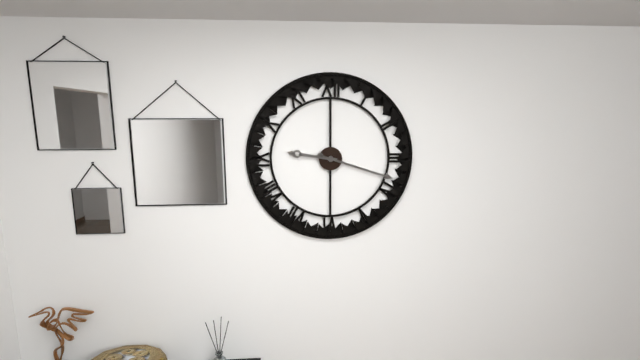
{"hour": 9, "minute": 18}
